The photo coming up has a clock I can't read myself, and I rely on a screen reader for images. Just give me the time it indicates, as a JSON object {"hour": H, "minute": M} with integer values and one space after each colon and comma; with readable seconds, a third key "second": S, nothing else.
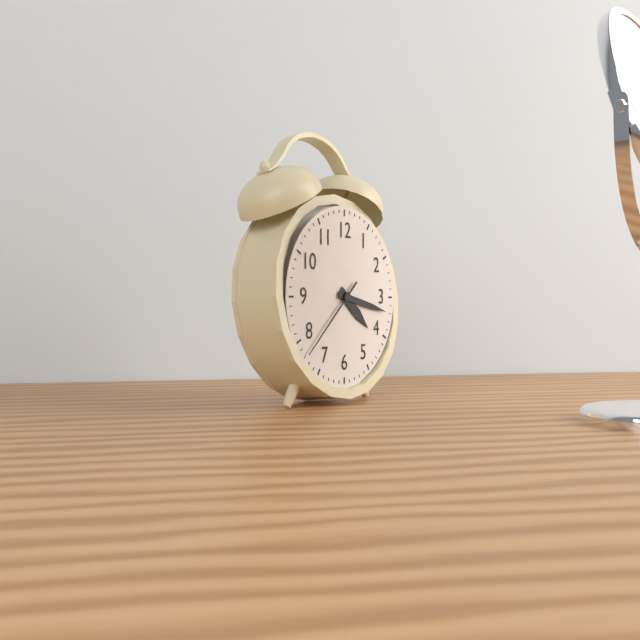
{"hour": 4, "minute": 17, "second": 38}
